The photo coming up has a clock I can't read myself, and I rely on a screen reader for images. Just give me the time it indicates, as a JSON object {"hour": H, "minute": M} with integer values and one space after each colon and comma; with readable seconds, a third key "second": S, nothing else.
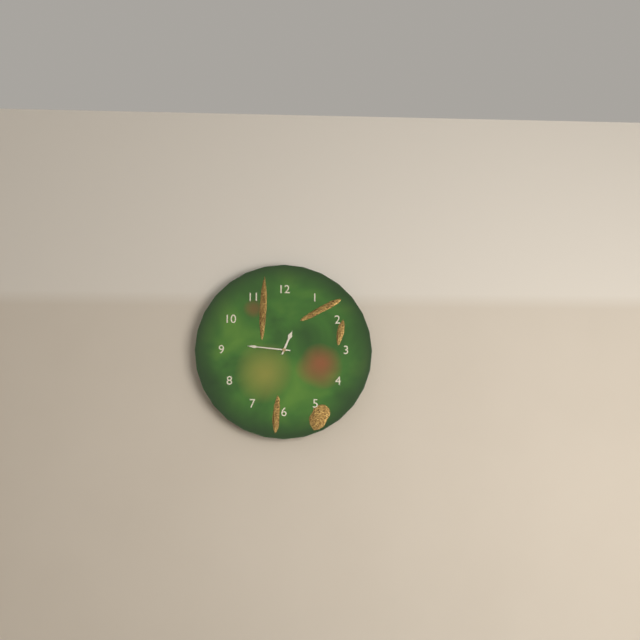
{"hour": 12, "minute": 46}
